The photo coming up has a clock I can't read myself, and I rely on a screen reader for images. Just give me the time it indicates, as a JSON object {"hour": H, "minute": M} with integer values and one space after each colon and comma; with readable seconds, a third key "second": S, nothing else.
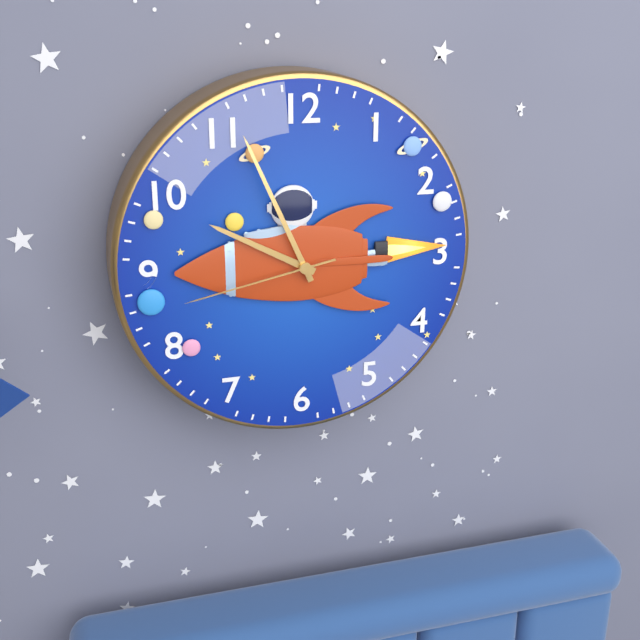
{"hour": 9, "minute": 56, "second": 43}
